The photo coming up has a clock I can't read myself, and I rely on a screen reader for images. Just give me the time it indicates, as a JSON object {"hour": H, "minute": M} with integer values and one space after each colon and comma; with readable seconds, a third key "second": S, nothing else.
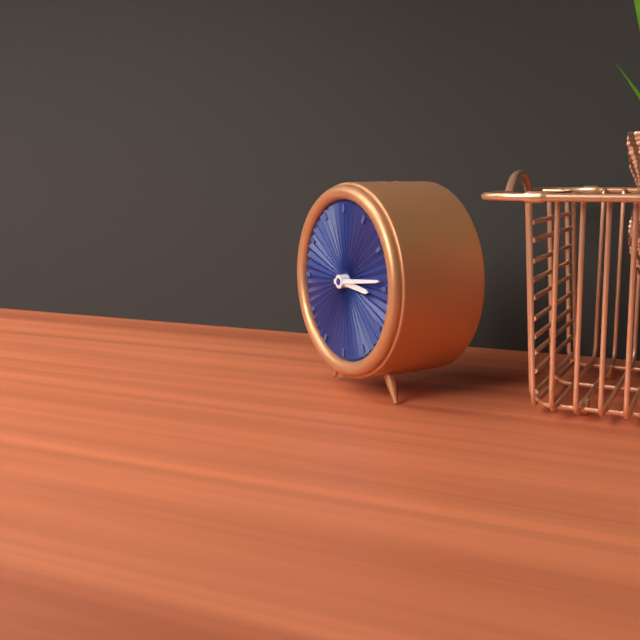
{"hour": 3, "minute": 14}
